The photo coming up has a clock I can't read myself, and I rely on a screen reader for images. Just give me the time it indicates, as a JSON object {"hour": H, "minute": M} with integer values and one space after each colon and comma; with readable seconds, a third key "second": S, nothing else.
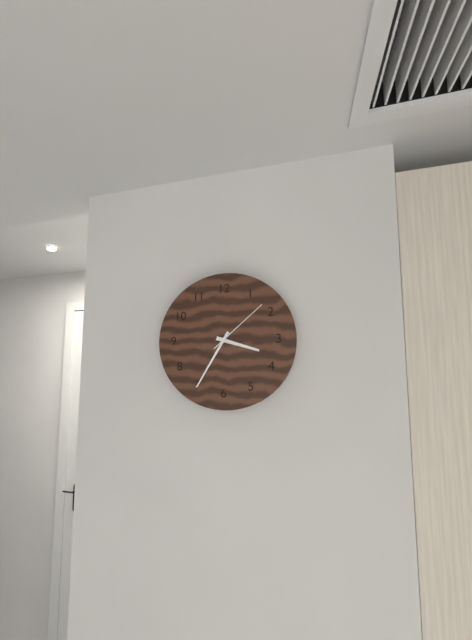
{"hour": 3, "minute": 35, "second": 8}
